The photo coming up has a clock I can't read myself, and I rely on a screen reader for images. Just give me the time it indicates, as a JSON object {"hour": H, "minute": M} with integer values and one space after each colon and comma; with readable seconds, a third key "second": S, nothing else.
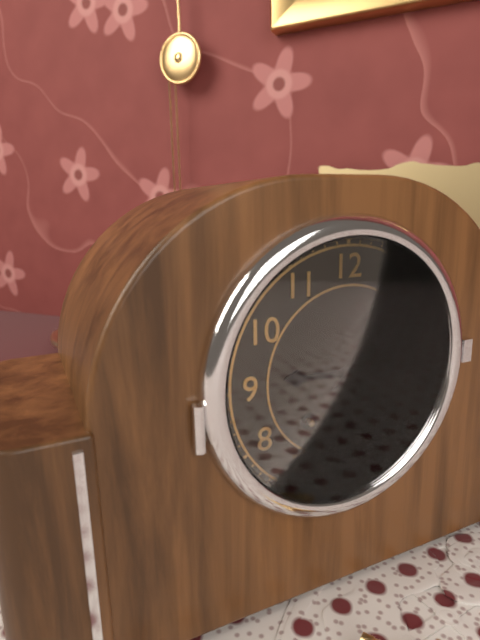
{"hour": 9, "minute": 8}
